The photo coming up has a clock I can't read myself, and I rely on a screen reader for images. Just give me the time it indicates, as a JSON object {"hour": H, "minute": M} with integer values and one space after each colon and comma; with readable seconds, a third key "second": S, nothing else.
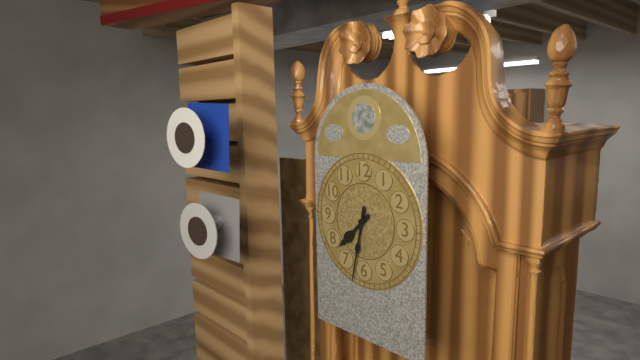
{"hour": 7, "minute": 32}
